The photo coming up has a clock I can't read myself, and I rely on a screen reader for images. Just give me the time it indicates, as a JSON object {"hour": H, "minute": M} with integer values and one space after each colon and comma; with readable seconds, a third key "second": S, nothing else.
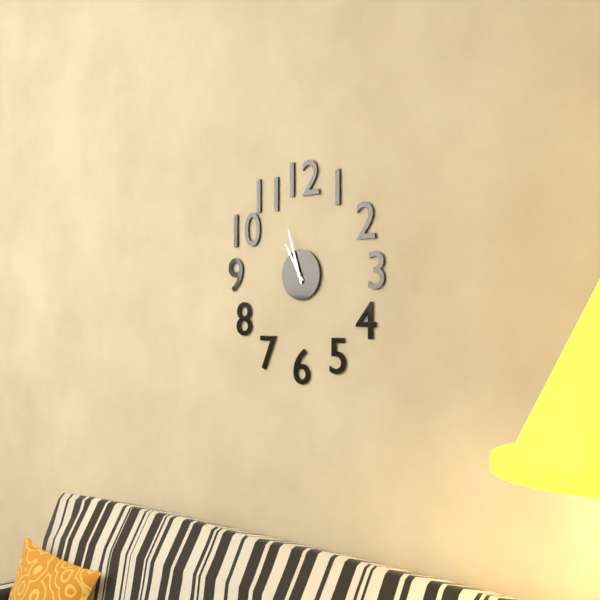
{"hour": 10, "minute": 57}
